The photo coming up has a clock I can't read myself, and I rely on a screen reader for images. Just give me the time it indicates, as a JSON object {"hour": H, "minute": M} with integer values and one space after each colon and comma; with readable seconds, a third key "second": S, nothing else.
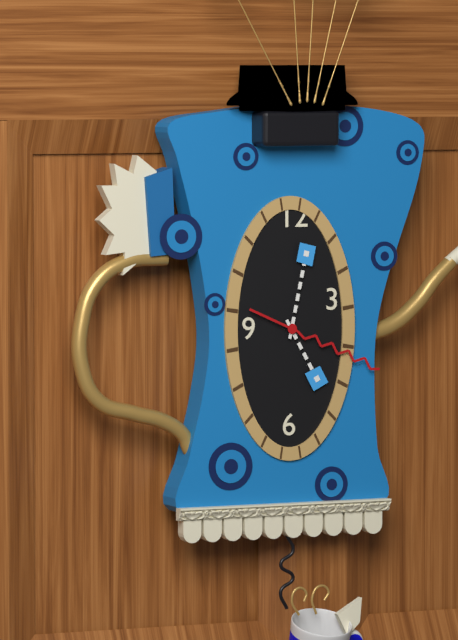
{"hour": 5, "minute": 2, "second": 19}
